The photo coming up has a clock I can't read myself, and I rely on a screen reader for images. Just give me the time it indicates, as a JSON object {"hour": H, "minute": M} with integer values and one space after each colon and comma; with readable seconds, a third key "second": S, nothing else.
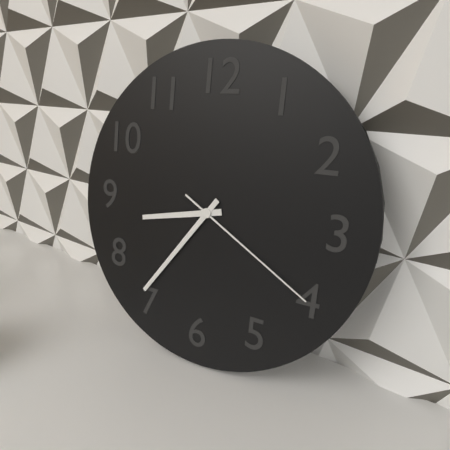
{"hour": 8, "minute": 36, "second": 20}
